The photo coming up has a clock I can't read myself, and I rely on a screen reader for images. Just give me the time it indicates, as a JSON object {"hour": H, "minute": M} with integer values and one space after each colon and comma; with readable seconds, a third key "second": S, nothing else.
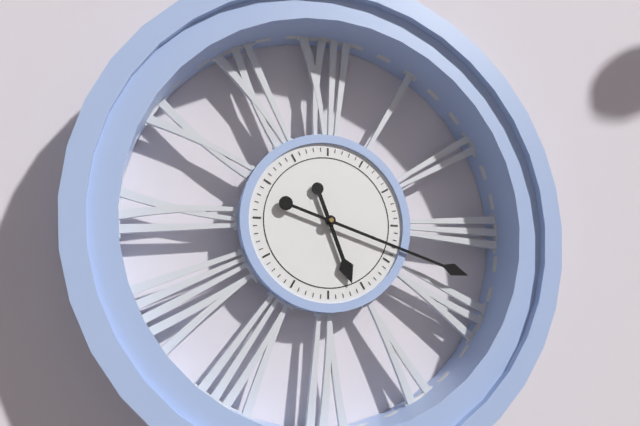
{"hour": 5, "minute": 18}
